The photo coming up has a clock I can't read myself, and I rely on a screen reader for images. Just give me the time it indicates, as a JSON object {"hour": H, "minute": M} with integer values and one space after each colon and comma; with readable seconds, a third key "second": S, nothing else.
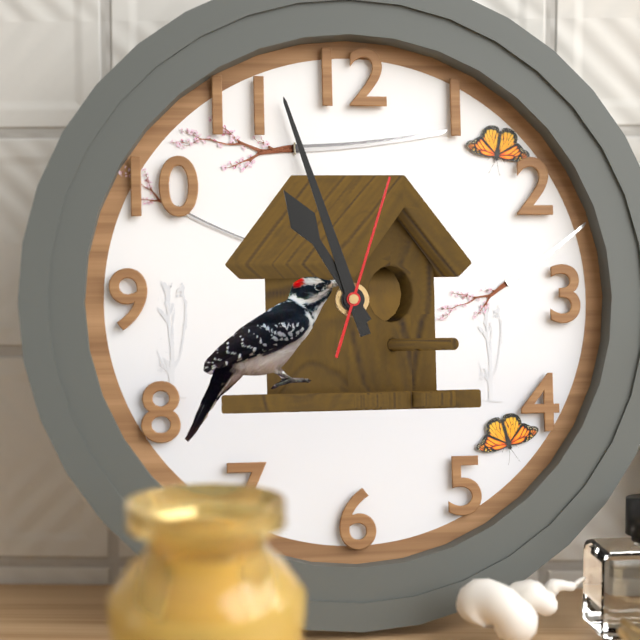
{"hour": 10, "minute": 57, "second": 3}
